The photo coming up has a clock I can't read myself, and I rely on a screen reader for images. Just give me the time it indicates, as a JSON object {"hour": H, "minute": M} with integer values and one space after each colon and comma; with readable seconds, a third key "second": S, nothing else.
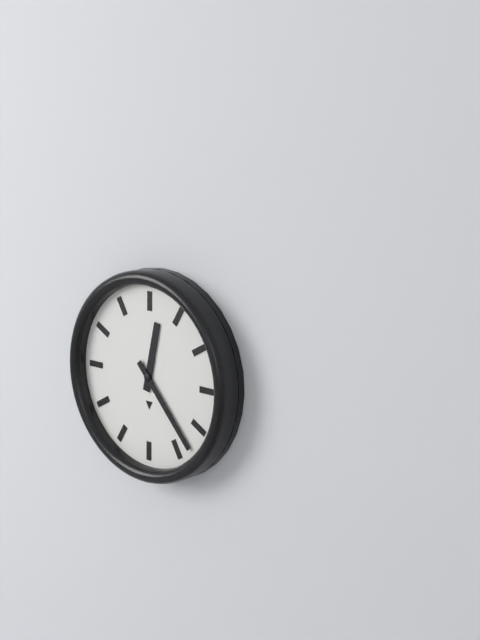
{"hour": 12, "minute": 23}
